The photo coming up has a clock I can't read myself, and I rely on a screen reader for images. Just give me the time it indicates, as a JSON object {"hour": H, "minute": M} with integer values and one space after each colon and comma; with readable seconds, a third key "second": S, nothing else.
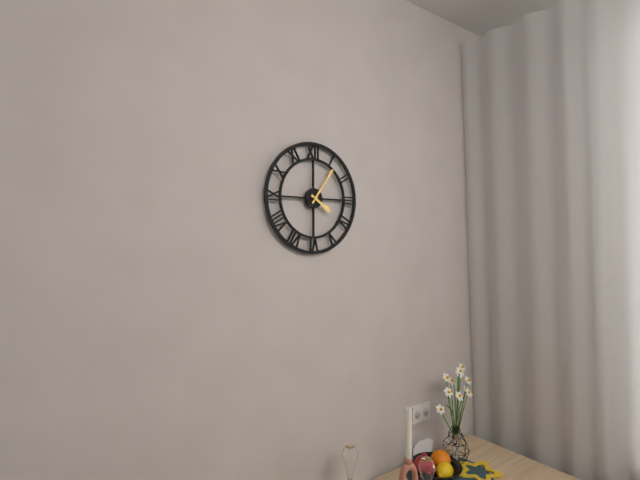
{"hour": 4, "minute": 6}
